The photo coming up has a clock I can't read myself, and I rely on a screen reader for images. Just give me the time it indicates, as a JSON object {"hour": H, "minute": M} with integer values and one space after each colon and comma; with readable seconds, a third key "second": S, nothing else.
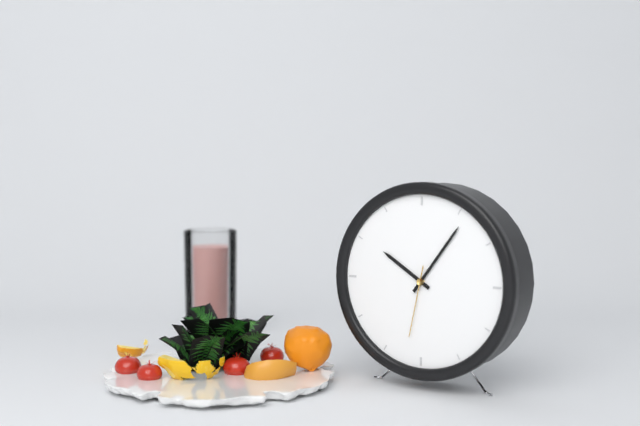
{"hour": 10, "minute": 6, "second": 32}
